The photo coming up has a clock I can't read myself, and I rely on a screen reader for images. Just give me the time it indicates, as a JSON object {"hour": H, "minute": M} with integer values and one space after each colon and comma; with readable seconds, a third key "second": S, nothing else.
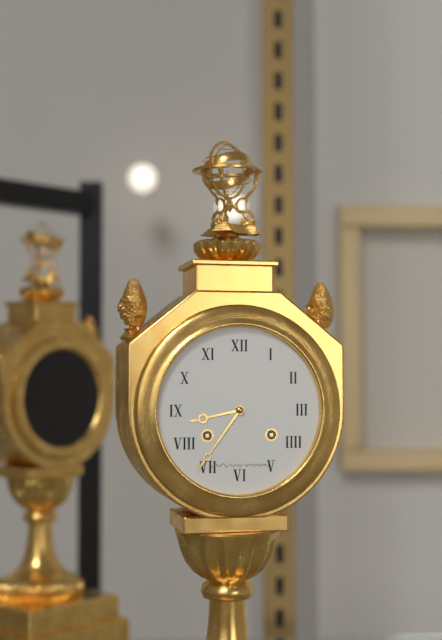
{"hour": 8, "minute": 36}
